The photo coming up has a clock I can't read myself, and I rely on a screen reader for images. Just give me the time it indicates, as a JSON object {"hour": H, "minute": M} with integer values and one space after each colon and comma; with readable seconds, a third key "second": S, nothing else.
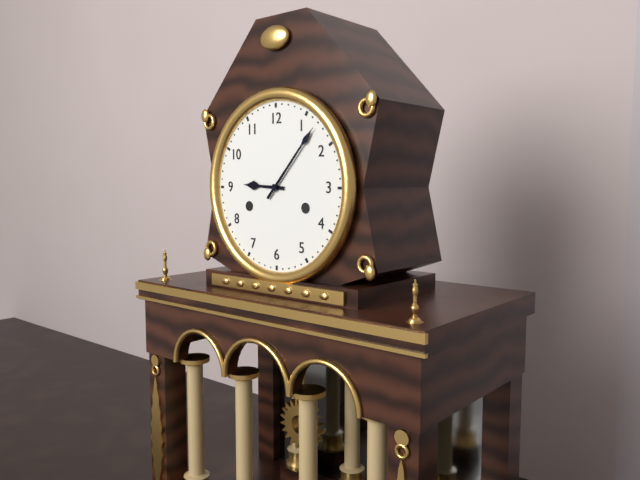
{"hour": 9, "minute": 7}
